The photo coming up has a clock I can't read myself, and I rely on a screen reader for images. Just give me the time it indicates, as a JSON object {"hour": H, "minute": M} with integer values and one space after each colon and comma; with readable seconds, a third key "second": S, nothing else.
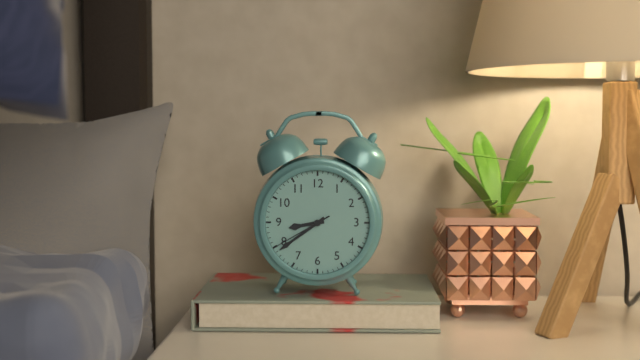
{"hour": 8, "minute": 39, "second": 40}
